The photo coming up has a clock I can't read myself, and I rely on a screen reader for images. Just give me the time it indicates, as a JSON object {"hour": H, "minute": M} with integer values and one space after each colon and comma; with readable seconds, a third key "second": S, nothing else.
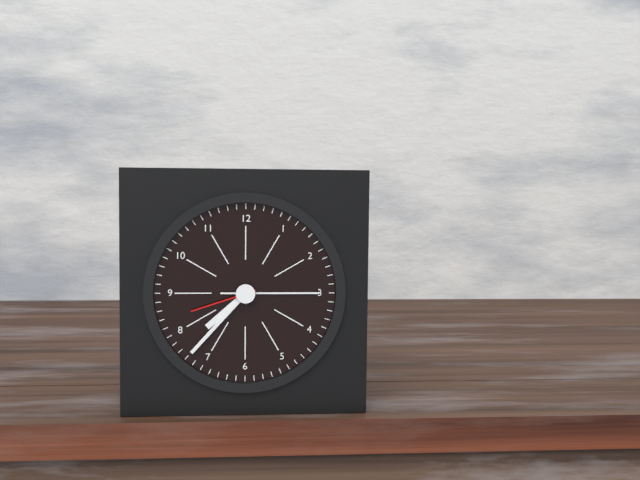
{"hour": 7, "minute": 37, "second": 42}
